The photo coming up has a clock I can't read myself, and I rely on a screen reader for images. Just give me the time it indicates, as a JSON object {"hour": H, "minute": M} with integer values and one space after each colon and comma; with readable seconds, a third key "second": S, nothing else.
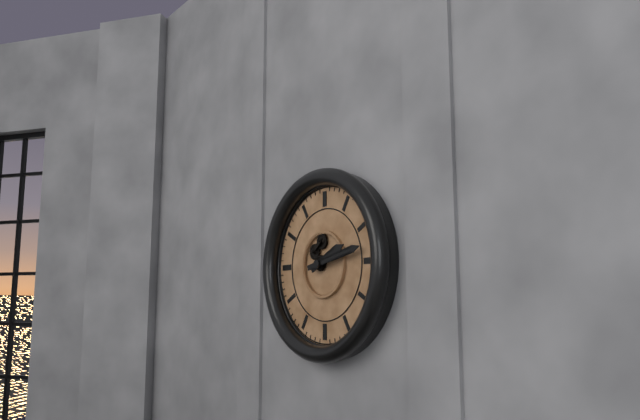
{"hour": 2, "minute": 13}
